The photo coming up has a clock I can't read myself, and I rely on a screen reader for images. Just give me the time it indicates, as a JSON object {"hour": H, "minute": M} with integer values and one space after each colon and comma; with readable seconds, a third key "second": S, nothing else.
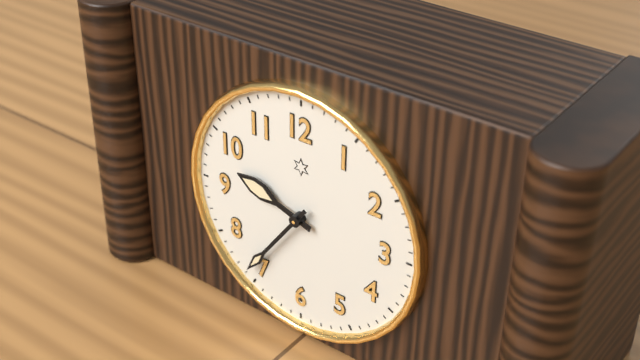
{"hour": 9, "minute": 36}
